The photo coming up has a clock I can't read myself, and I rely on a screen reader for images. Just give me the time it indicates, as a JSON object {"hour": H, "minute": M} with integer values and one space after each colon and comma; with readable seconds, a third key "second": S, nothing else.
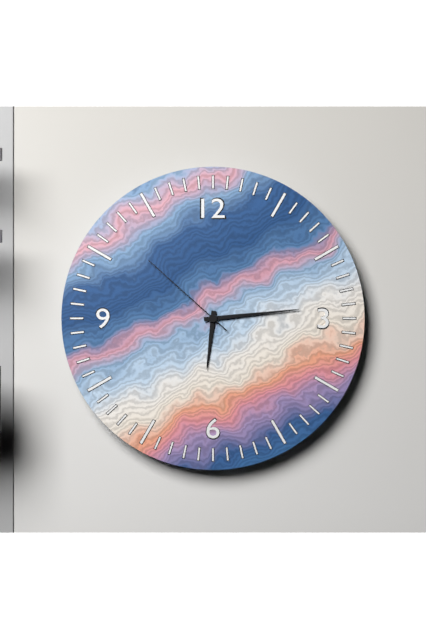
{"hour": 6, "minute": 14, "second": 52}
